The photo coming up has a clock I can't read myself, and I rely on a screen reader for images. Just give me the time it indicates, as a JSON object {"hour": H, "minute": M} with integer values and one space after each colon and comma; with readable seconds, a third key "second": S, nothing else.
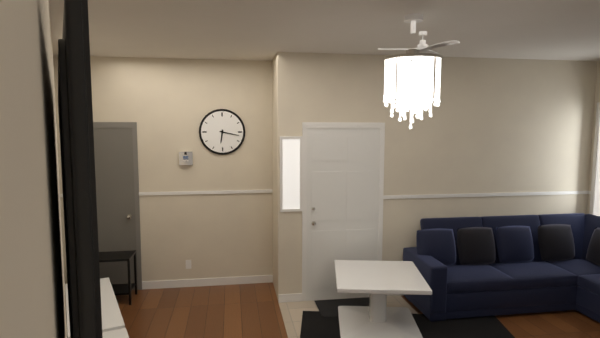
{"hour": 6, "minute": 17}
